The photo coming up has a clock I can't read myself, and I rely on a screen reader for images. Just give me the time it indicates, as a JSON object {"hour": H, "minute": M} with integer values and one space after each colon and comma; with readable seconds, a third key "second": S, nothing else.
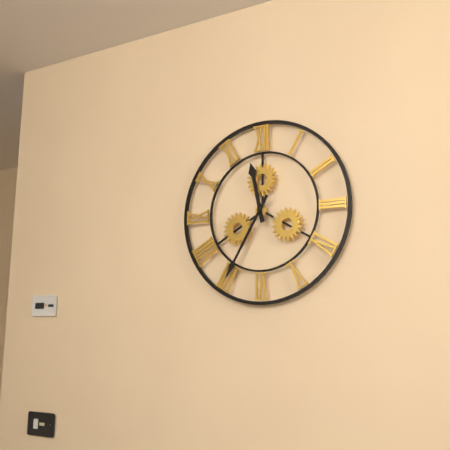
{"hour": 11, "minute": 35}
